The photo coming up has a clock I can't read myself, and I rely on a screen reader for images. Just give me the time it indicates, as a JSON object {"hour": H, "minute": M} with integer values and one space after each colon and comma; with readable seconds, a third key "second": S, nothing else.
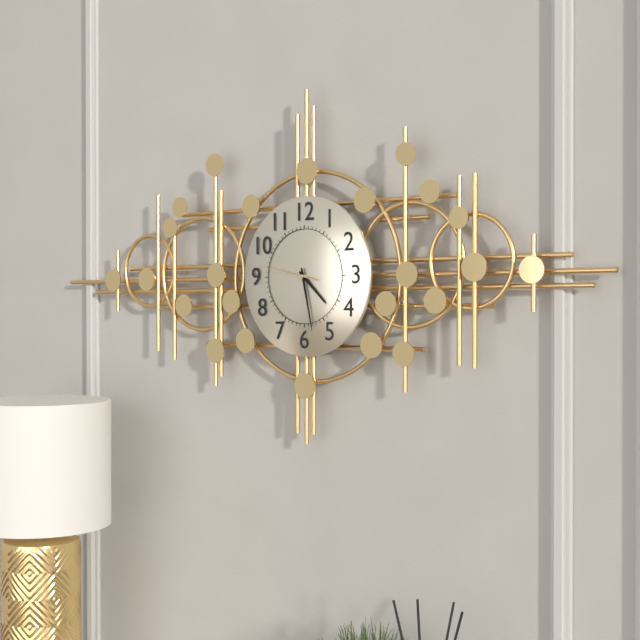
{"hour": 4, "minute": 28, "second": 47}
